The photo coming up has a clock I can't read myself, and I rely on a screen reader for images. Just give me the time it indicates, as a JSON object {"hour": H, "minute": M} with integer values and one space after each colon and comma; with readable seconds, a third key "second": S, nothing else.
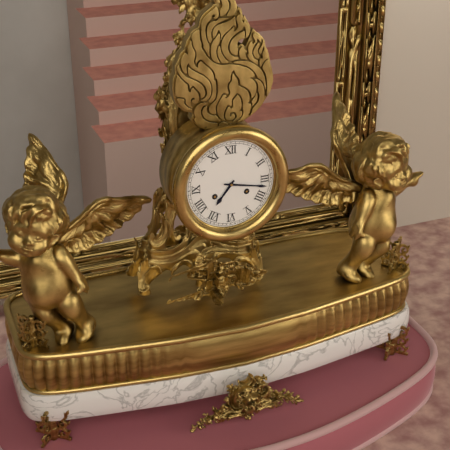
{"hour": 7, "minute": 17}
